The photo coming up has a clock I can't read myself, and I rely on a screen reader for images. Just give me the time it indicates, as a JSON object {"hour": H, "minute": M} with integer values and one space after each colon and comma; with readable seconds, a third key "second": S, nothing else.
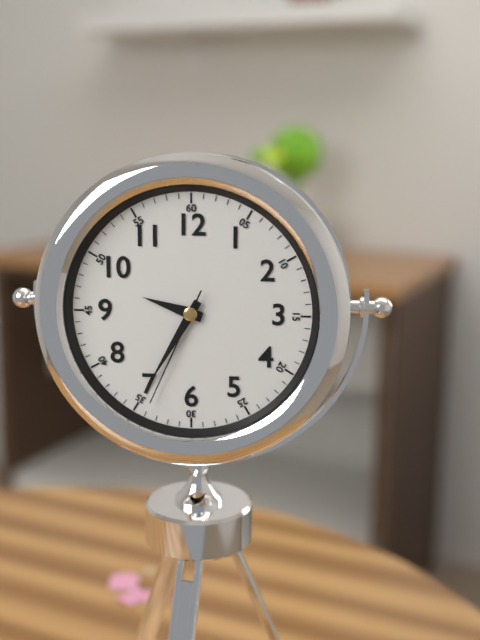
{"hour": 9, "minute": 35, "second": 34}
